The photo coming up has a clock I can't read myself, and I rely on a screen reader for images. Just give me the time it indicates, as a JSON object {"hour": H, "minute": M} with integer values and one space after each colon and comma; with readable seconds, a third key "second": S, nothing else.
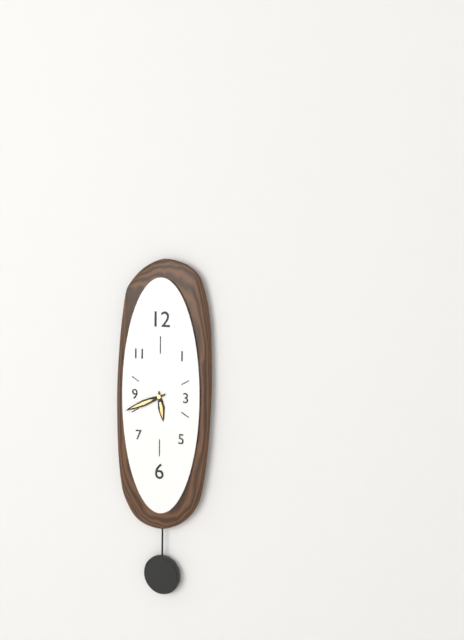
{"hour": 5, "minute": 41}
